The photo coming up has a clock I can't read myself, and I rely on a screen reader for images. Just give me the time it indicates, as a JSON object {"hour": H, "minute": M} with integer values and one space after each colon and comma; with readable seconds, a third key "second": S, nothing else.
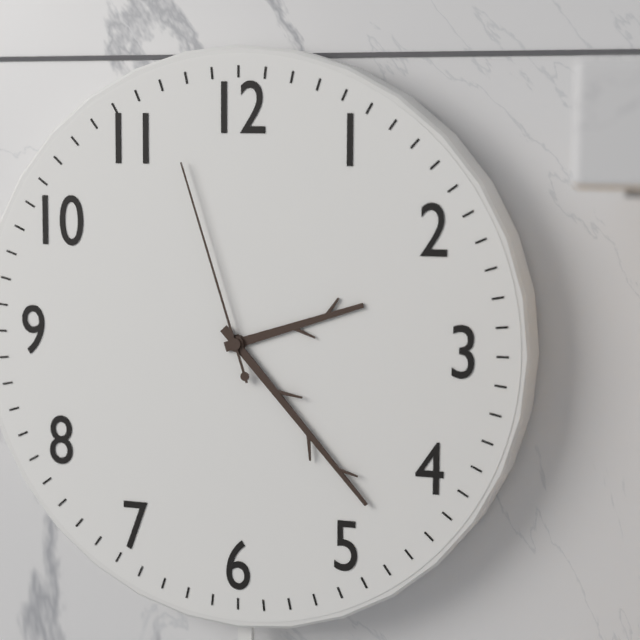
{"hour": 2, "minute": 23, "second": 57}
